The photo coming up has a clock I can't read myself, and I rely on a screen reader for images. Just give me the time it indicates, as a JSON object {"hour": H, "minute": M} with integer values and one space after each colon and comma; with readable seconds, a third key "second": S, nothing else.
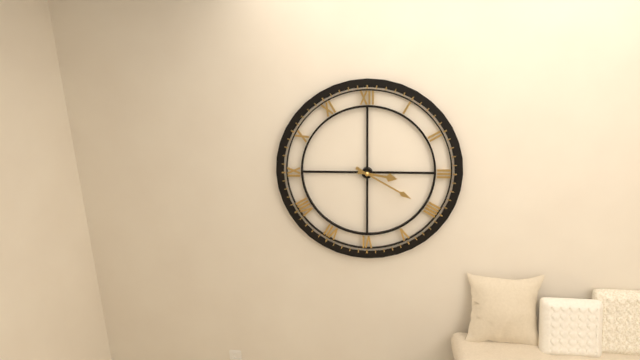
{"hour": 3, "minute": 20}
